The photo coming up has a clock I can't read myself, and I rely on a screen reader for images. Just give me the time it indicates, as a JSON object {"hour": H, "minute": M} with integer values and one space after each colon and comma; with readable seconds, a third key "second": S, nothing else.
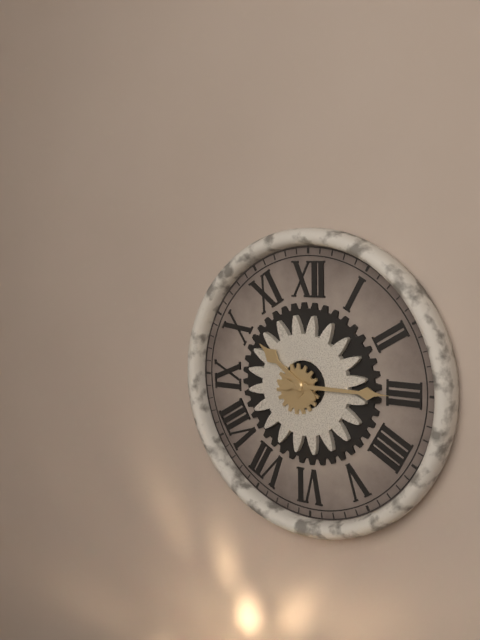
{"hour": 10, "minute": 15}
